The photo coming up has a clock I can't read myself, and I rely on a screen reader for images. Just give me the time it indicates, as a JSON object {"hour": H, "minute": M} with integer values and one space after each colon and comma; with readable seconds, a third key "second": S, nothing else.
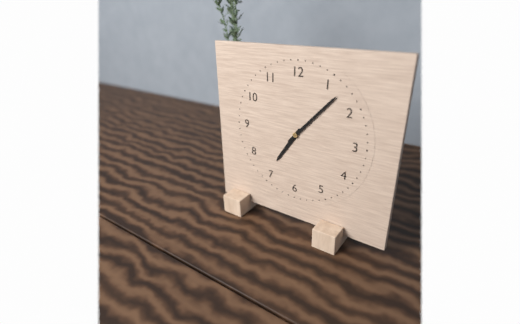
{"hour": 7, "minute": 7}
